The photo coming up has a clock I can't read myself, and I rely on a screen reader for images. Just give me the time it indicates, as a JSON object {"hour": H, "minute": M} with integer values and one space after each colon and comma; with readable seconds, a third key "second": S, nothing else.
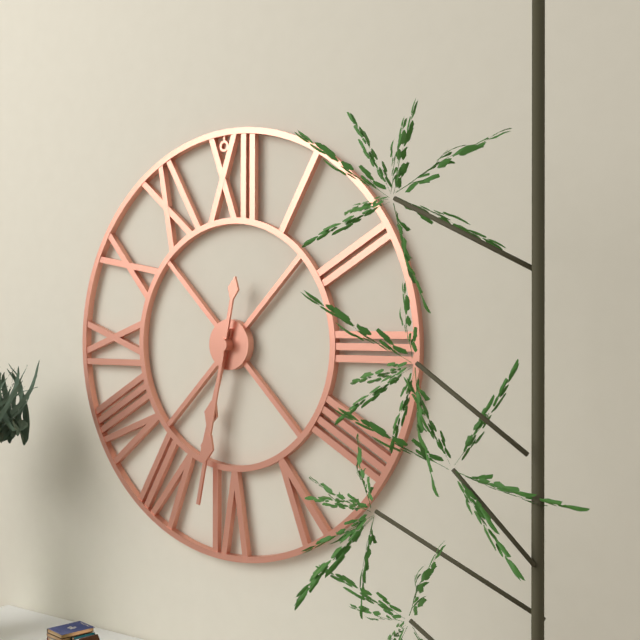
{"hour": 6, "minute": 32}
